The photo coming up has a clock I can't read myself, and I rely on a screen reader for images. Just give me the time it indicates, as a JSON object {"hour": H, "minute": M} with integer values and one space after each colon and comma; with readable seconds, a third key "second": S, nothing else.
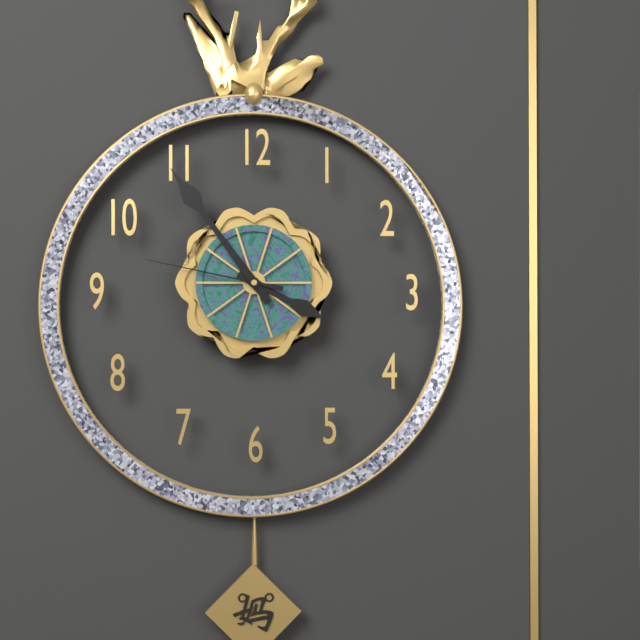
{"hour": 3, "minute": 54, "second": 47}
